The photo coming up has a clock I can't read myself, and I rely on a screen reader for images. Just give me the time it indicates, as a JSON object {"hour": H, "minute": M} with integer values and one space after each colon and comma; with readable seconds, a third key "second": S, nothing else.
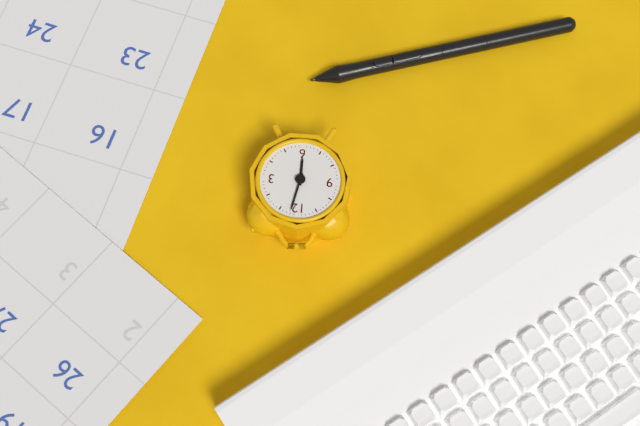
{"hour": 6, "minute": 2}
